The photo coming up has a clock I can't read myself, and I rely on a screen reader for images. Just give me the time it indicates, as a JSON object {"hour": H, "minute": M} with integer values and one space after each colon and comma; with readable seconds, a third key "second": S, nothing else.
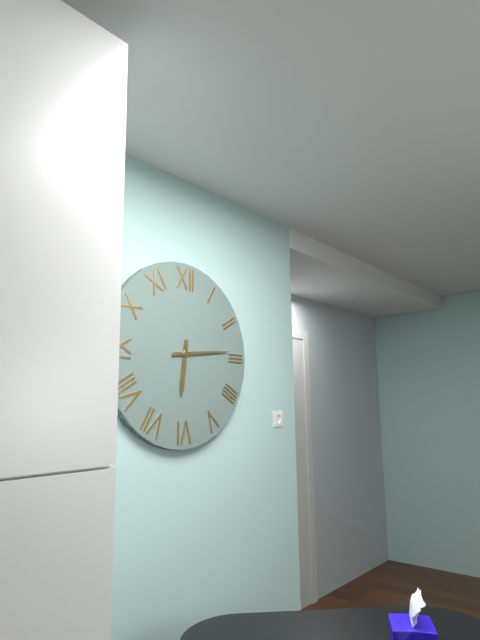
{"hour": 6, "minute": 14}
